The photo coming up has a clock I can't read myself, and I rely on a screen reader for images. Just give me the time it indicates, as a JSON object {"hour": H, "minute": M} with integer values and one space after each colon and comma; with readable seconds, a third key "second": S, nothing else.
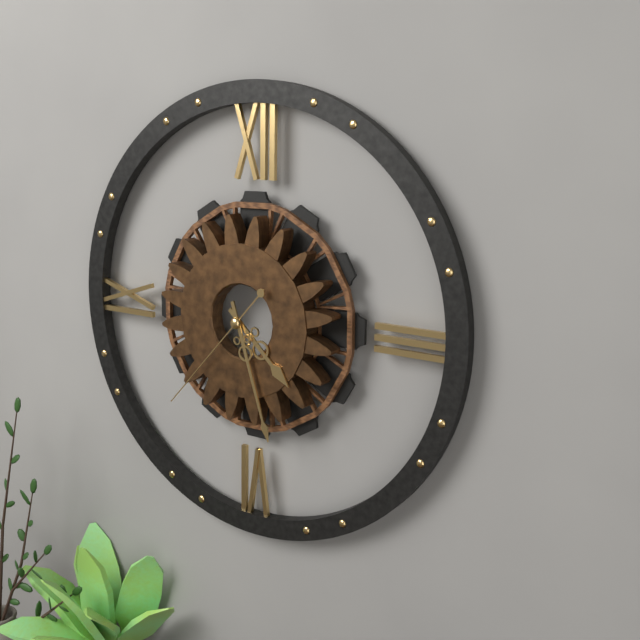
{"hour": 4, "minute": 27, "second": 37}
